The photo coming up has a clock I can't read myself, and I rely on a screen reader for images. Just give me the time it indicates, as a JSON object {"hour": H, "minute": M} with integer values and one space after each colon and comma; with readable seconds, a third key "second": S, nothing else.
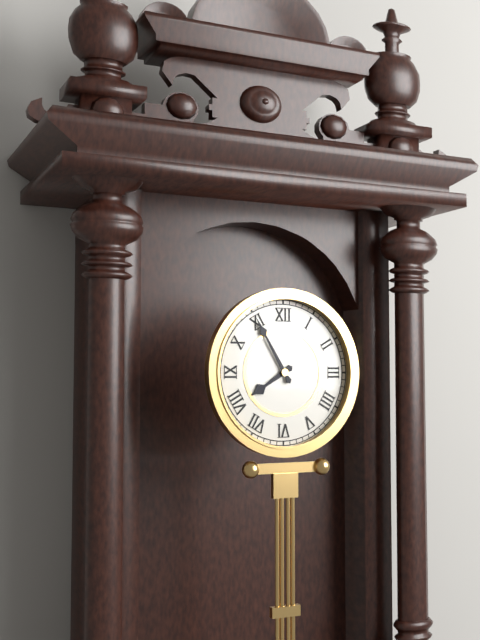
{"hour": 7, "minute": 55}
